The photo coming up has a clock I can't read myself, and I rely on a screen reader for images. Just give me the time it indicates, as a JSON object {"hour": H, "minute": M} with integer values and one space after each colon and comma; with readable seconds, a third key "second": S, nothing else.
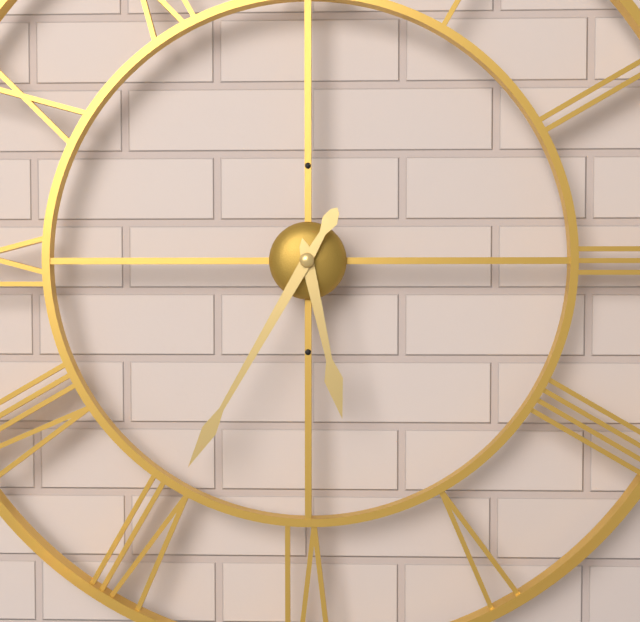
{"hour": 5, "minute": 35}
